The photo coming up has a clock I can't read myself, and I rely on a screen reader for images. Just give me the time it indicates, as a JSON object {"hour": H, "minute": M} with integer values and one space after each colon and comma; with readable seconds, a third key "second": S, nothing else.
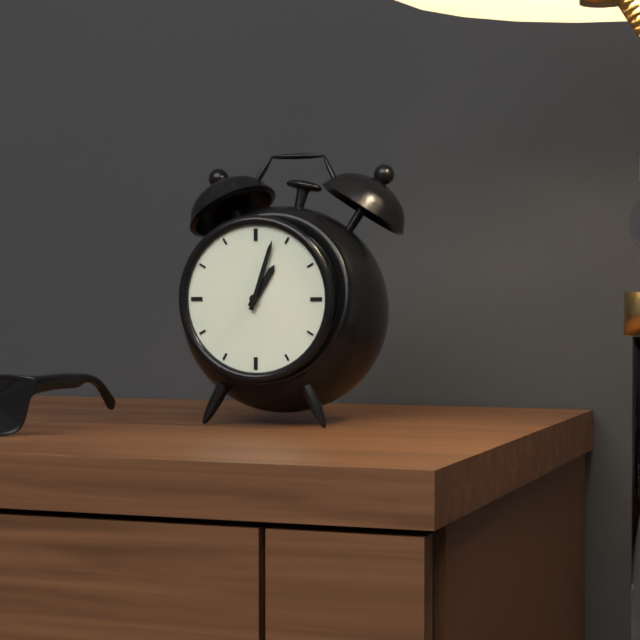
{"hour": 1, "minute": 3}
